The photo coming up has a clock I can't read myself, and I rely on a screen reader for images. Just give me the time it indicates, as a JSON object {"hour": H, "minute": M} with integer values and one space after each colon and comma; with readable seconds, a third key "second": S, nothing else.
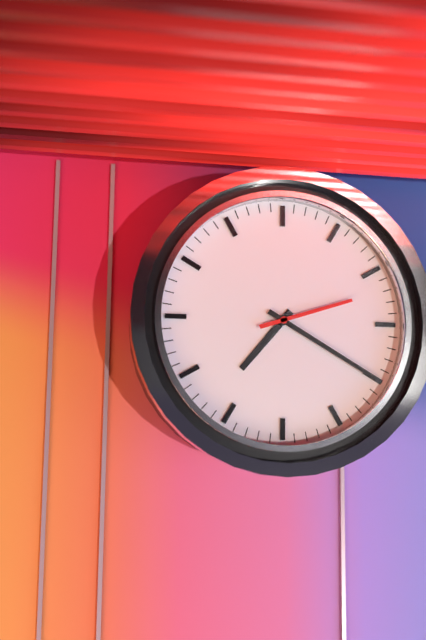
{"hour": 7, "minute": 20, "second": 12}
